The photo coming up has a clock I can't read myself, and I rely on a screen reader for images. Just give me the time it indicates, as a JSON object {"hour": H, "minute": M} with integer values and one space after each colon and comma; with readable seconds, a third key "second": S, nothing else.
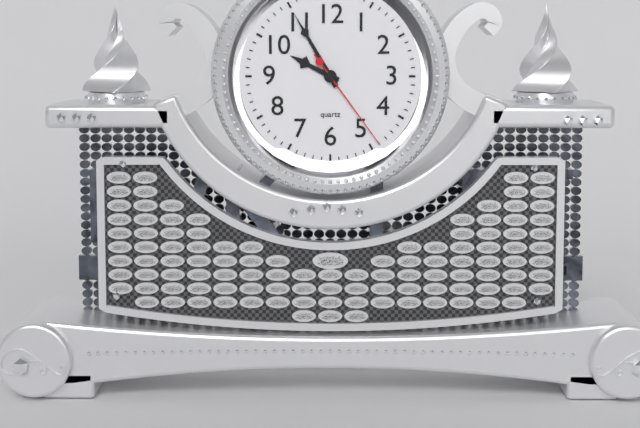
{"hour": 9, "minute": 55, "second": 24}
